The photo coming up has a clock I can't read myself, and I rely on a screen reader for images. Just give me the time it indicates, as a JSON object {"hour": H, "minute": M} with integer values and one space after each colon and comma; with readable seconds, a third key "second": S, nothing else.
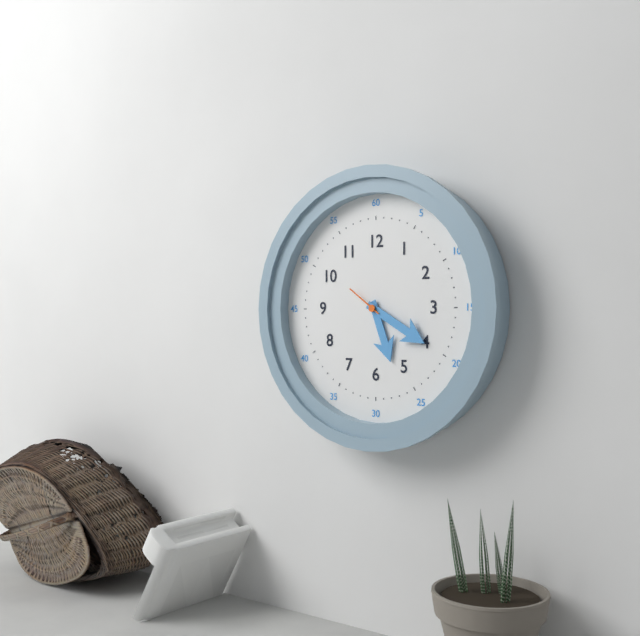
{"hour": 5, "minute": 20, "second": 51}
